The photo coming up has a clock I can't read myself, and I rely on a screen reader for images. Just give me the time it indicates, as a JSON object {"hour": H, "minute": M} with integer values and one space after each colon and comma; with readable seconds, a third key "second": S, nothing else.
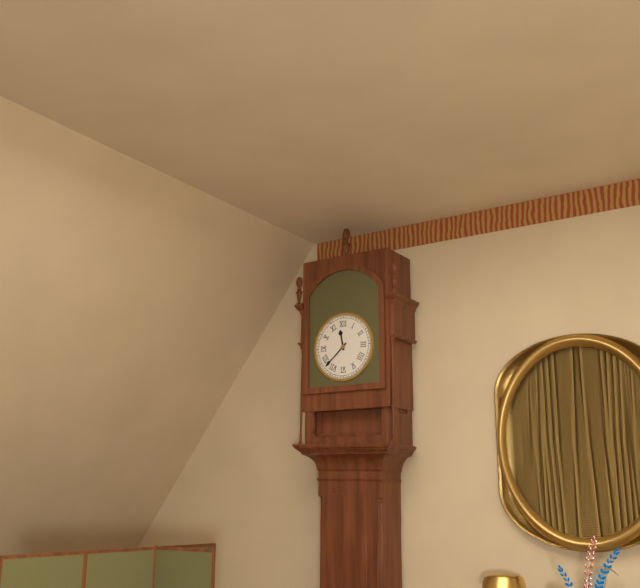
{"hour": 11, "minute": 38}
